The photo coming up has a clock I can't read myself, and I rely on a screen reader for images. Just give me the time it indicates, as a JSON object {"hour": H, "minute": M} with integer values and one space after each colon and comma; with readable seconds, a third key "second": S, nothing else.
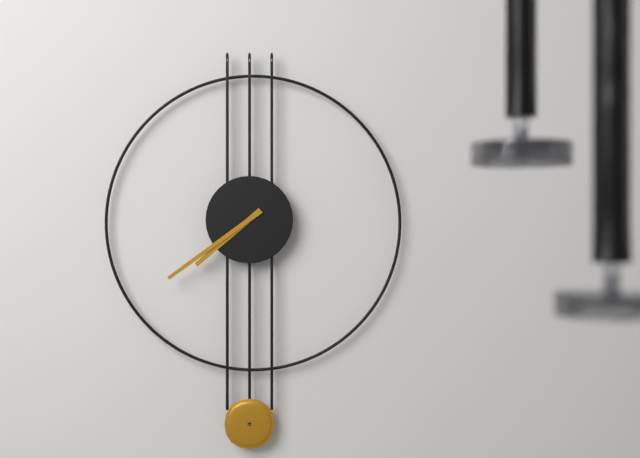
{"hour": 7, "minute": 39}
